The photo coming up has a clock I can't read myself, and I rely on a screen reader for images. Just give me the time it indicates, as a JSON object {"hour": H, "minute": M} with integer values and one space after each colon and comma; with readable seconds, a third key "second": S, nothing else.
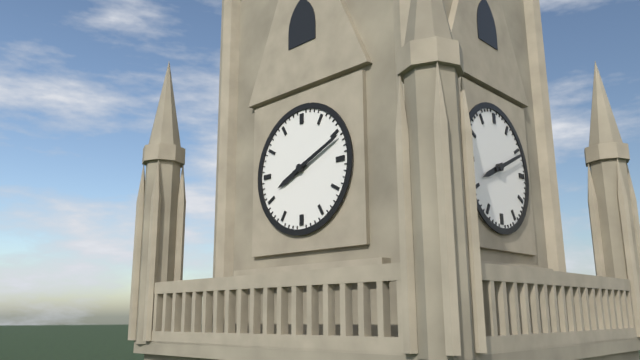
{"hour": 8, "minute": 11}
